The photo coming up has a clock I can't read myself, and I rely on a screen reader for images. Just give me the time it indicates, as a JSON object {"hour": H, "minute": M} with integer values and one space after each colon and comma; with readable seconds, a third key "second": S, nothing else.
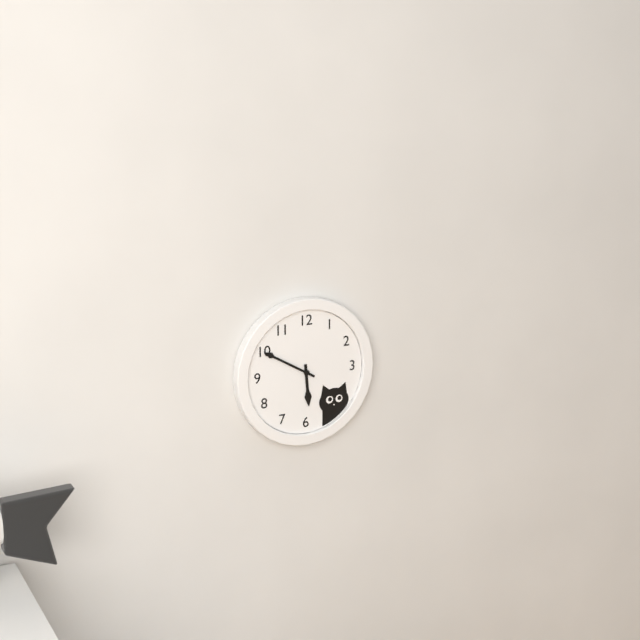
{"hour": 5, "minute": 50}
